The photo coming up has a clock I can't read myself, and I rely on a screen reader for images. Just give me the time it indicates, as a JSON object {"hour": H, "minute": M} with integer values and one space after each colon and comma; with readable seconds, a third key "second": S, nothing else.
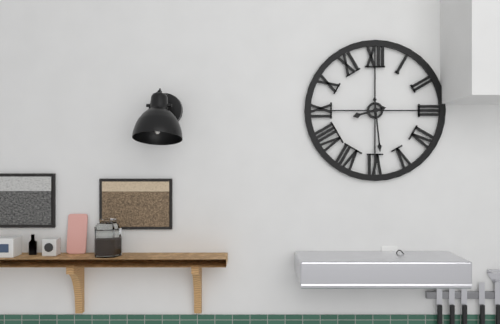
{"hour": 8, "minute": 29}
